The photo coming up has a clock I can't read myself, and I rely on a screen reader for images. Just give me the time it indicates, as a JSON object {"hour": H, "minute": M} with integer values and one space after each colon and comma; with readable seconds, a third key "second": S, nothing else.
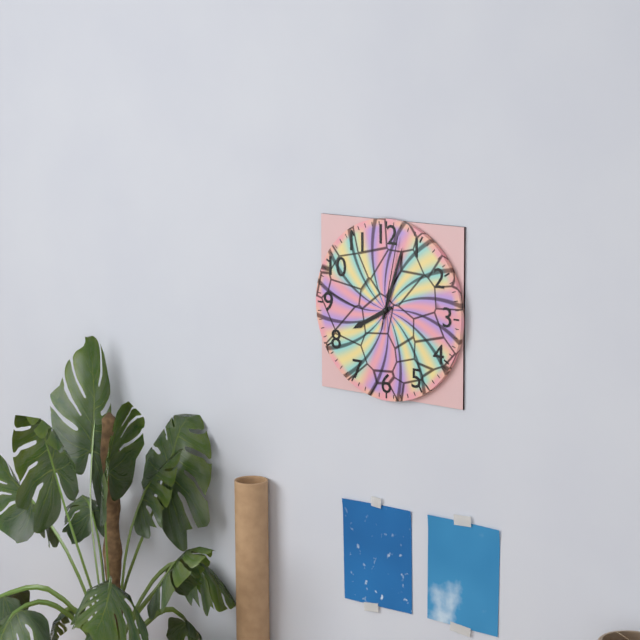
{"hour": 8, "minute": 3, "second": 2}
